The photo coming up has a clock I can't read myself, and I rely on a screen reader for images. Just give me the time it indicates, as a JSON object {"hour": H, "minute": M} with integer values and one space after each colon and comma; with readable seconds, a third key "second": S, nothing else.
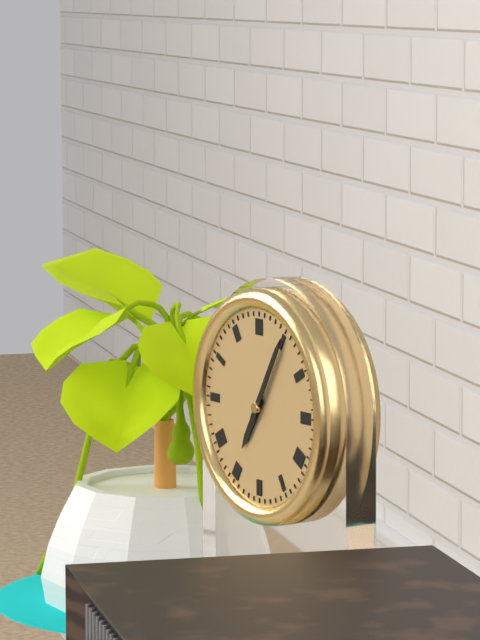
{"hour": 7, "minute": 5}
